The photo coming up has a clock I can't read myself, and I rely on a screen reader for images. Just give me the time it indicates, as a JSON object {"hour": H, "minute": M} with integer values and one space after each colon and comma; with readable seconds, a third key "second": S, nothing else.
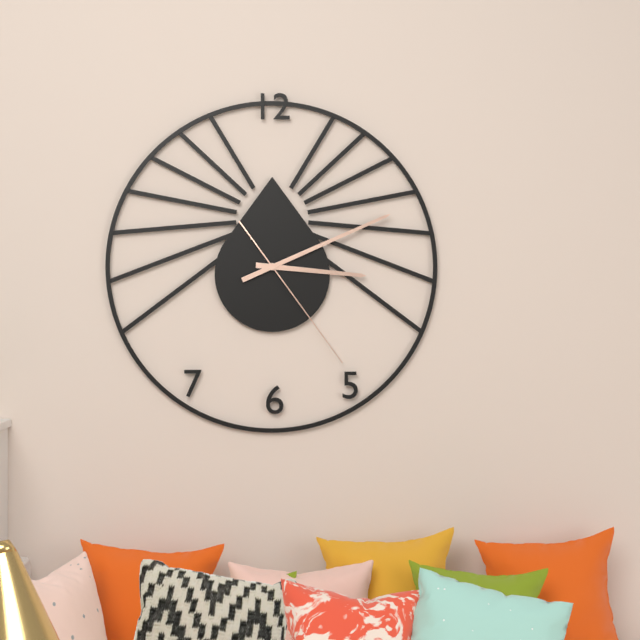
{"hour": 3, "minute": 11, "second": 24}
